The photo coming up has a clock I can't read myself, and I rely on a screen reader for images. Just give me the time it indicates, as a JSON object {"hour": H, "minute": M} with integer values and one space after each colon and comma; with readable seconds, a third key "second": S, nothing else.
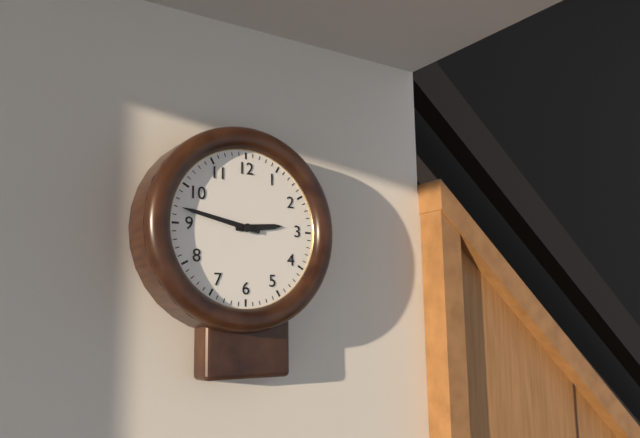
{"hour": 2, "minute": 47}
